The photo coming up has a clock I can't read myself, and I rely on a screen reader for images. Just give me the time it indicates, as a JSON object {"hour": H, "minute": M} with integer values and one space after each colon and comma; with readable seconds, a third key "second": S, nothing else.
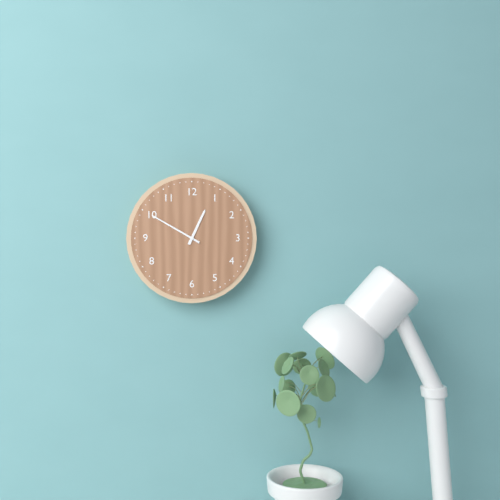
{"hour": 12, "minute": 50}
